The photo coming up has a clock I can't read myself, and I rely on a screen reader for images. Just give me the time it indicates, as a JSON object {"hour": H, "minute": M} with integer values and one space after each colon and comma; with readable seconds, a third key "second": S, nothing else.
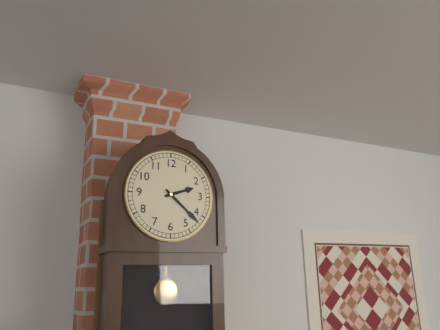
{"hour": 2, "minute": 22}
